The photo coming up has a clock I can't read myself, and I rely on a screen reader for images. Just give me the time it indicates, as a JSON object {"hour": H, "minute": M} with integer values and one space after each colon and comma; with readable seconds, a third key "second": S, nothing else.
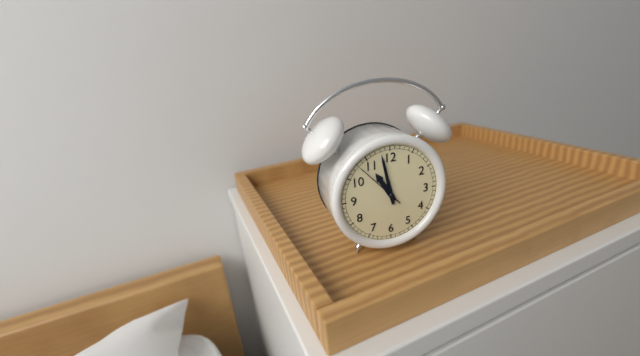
{"hour": 10, "minute": 58, "second": 53}
